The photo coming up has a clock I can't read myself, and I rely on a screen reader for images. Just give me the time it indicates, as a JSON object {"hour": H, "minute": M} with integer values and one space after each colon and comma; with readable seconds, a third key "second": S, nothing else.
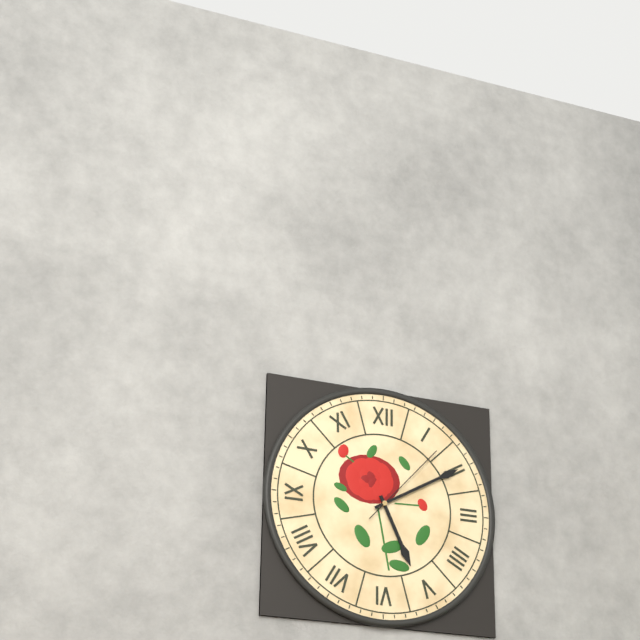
{"hour": 5, "minute": 10, "second": 7}
